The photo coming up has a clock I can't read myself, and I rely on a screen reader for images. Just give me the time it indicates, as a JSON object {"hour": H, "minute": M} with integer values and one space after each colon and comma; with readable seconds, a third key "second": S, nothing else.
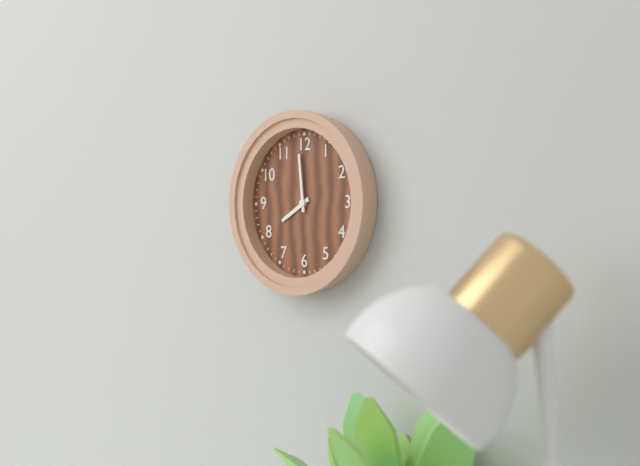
{"hour": 7, "minute": 59}
